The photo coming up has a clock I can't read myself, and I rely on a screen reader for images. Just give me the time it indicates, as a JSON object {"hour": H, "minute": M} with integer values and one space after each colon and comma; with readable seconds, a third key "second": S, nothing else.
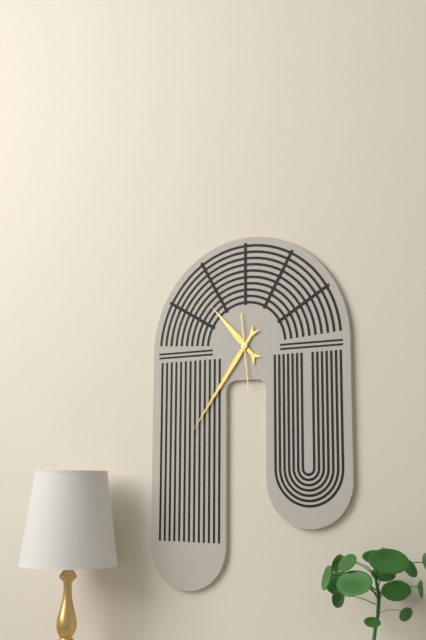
{"hour": 10, "minute": 36, "second": 29}
